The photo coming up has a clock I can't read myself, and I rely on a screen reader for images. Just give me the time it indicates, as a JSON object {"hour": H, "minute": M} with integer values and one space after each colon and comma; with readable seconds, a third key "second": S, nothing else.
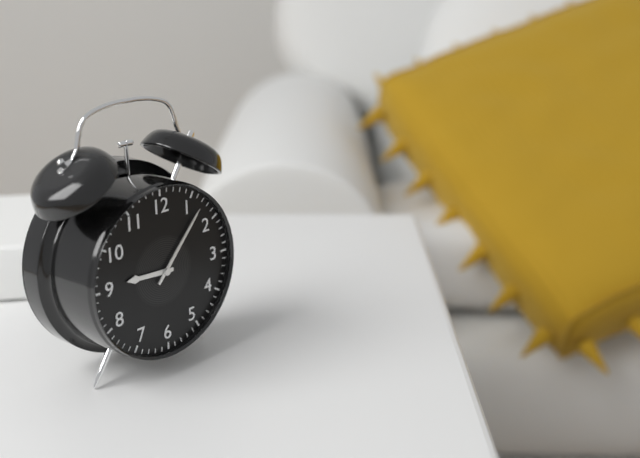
{"hour": 9, "minute": 7}
